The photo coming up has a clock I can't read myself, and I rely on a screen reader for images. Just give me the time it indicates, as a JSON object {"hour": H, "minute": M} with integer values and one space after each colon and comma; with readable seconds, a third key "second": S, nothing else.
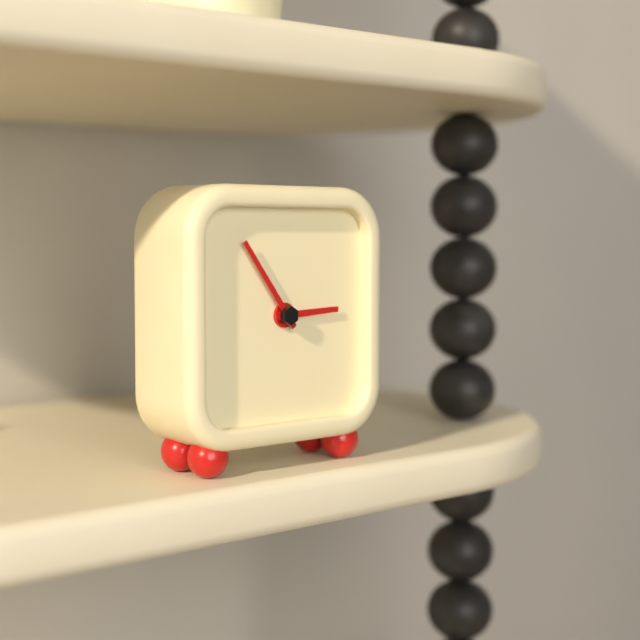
{"hour": 2, "minute": 54}
